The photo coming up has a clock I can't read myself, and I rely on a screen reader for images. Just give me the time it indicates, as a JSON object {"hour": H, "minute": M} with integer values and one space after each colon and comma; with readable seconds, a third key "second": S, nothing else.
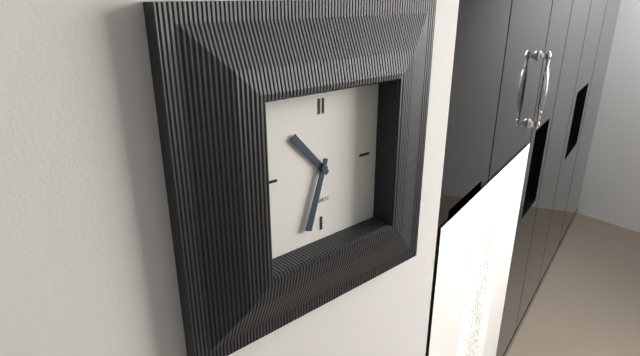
{"hour": 10, "minute": 33}
